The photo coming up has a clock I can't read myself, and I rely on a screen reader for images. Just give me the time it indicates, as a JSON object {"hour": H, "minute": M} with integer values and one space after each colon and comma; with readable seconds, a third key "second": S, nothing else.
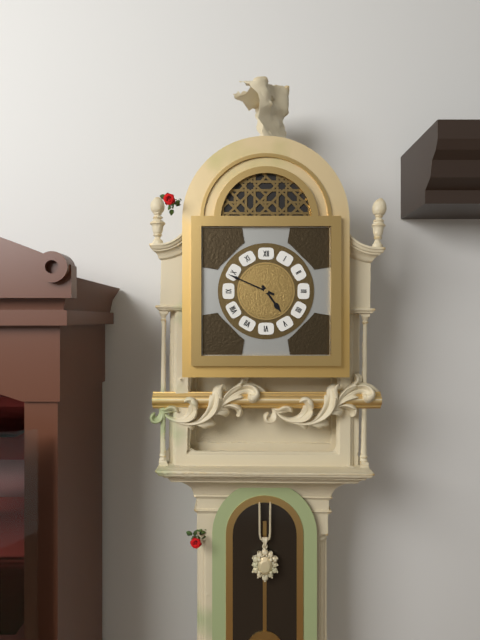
{"hour": 4, "minute": 49}
